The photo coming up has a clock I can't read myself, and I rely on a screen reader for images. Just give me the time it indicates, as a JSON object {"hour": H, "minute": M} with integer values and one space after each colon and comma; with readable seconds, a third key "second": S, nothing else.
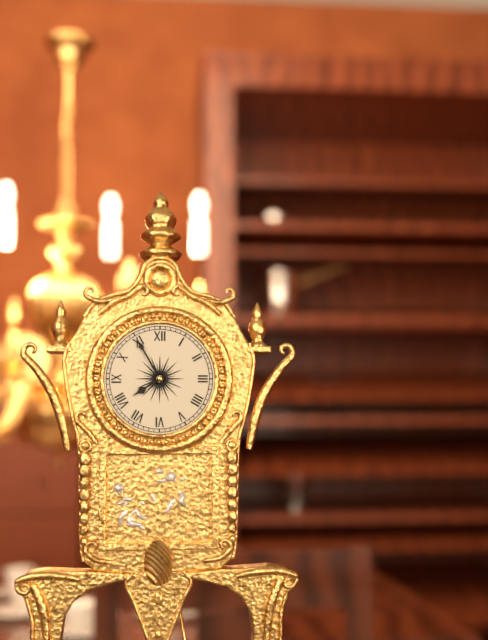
{"hour": 7, "minute": 55}
